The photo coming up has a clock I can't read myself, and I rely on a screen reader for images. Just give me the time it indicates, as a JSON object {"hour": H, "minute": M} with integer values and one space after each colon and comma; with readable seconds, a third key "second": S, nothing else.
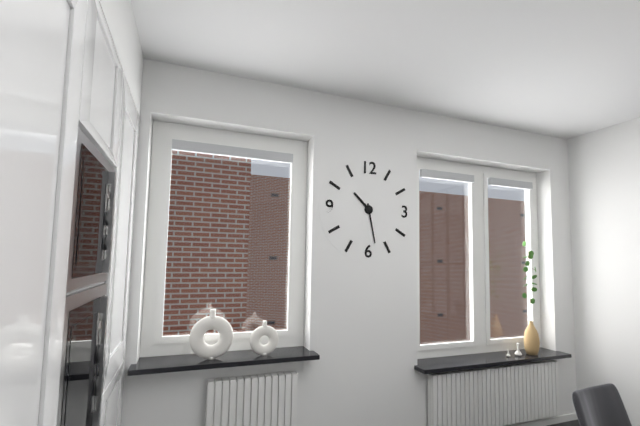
{"hour": 10, "minute": 28}
